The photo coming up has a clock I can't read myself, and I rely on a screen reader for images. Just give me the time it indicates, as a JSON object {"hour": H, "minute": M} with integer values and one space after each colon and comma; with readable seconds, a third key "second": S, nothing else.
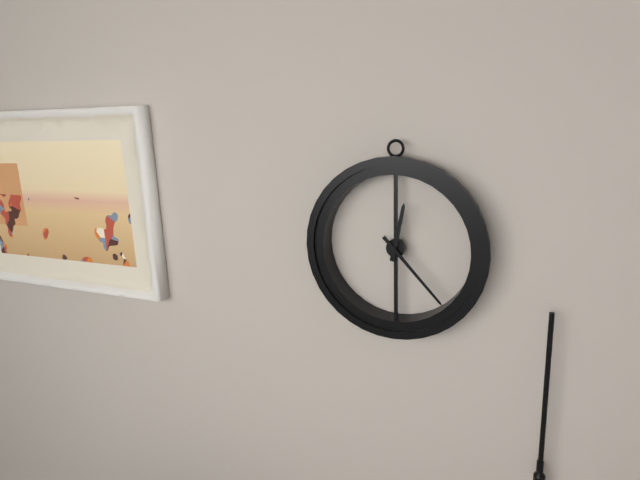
{"hour": 12, "minute": 23}
